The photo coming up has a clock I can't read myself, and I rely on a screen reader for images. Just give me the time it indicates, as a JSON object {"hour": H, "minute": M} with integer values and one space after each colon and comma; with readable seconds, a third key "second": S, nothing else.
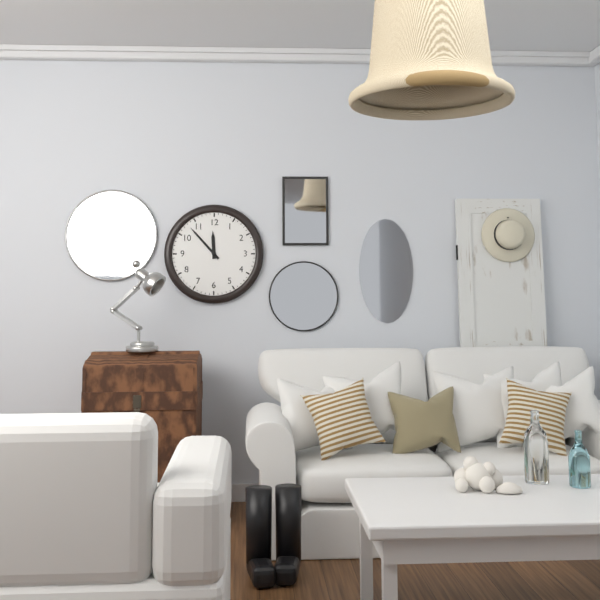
{"hour": 11, "minute": 53}
